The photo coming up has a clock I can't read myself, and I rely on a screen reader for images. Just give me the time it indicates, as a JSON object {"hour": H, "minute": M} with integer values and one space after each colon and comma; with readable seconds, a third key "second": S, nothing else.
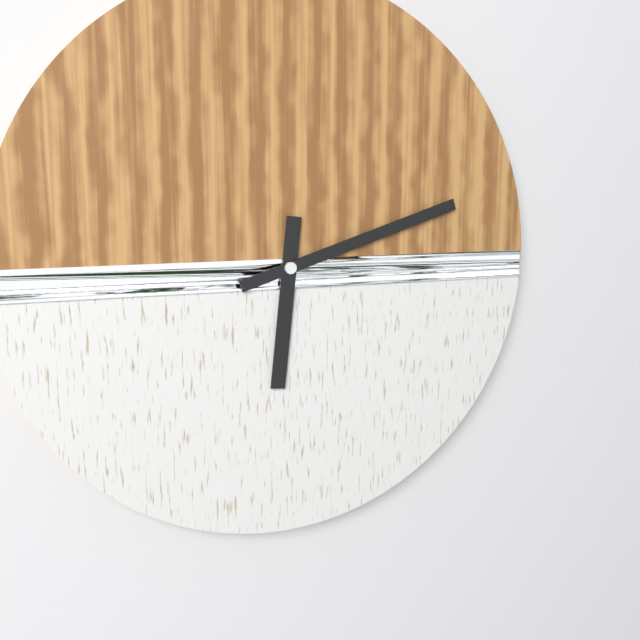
{"hour": 6, "minute": 12}
